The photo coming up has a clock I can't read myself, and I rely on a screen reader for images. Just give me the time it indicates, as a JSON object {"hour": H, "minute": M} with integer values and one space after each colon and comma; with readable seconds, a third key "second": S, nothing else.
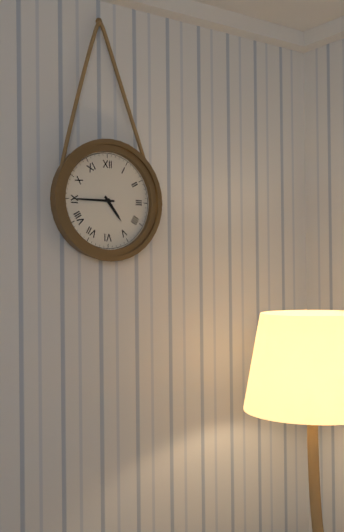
{"hour": 4, "minute": 45}
